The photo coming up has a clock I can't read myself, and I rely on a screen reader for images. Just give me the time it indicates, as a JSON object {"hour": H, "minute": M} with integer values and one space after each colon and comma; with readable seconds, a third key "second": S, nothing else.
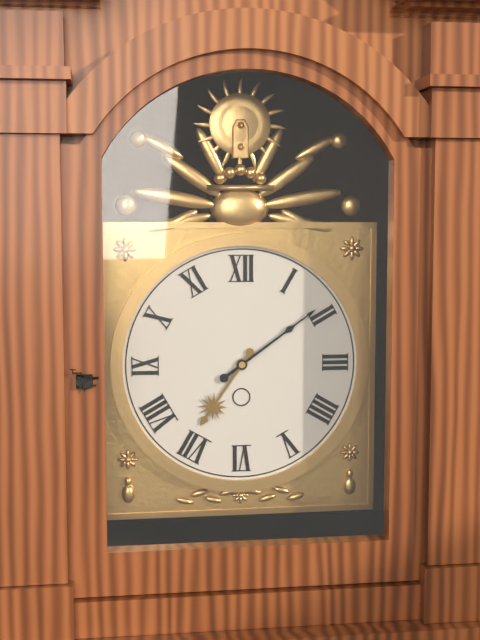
{"hour": 7, "minute": 9}
